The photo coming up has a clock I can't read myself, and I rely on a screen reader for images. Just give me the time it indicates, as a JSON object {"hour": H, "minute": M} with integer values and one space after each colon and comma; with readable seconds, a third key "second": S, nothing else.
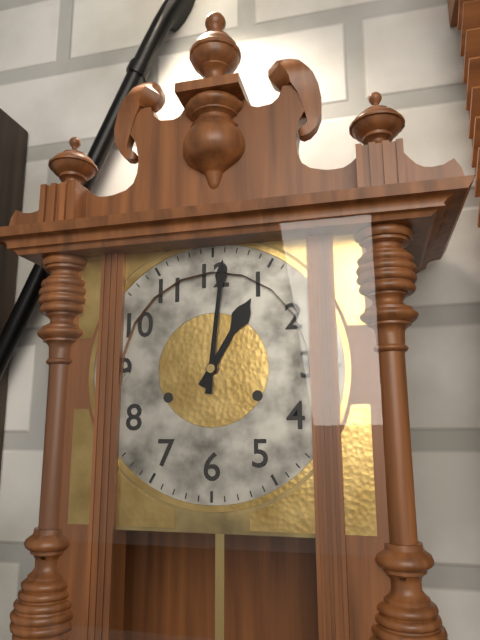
{"hour": 1, "minute": 1}
